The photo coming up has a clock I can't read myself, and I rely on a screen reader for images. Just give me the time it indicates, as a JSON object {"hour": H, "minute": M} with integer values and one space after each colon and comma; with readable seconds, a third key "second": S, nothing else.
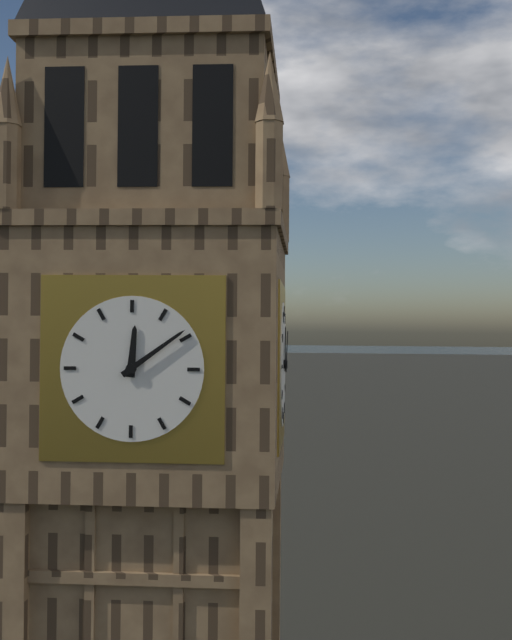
{"hour": 12, "minute": 9}
